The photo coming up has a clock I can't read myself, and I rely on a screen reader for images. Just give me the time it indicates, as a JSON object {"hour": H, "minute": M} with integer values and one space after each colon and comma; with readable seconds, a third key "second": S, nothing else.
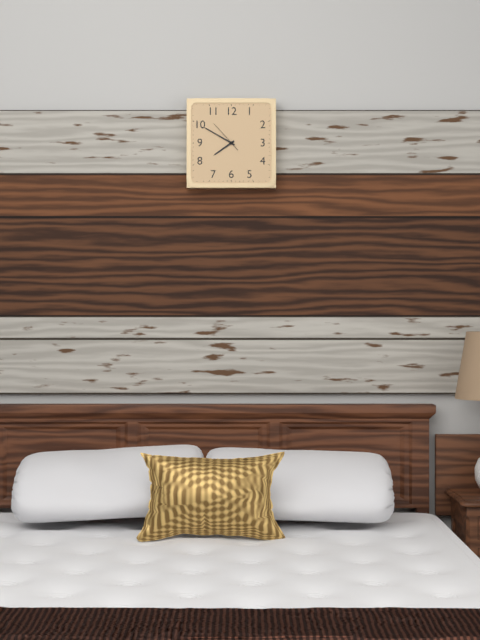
{"hour": 7, "minute": 50}
